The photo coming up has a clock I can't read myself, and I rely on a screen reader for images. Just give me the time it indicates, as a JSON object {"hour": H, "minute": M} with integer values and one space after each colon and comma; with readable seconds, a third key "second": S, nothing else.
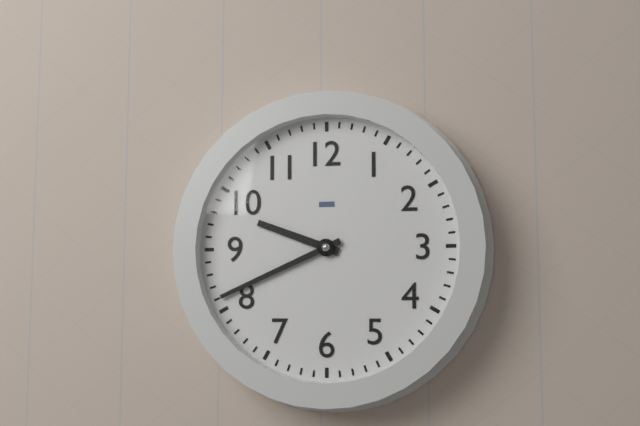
{"hour": 9, "minute": 41}
